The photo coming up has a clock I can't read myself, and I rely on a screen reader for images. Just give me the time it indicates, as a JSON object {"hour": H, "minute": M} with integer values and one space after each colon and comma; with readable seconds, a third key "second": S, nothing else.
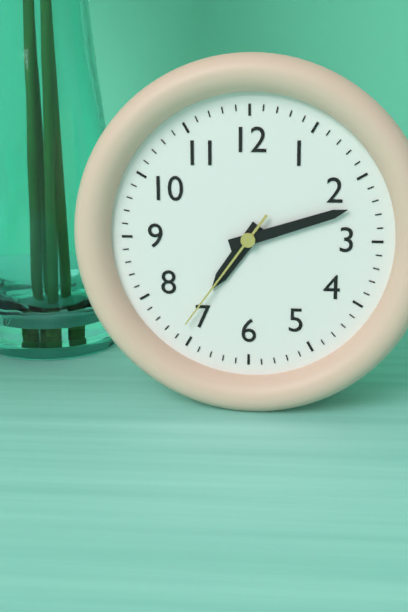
{"hour": 7, "minute": 12, "second": 36}
